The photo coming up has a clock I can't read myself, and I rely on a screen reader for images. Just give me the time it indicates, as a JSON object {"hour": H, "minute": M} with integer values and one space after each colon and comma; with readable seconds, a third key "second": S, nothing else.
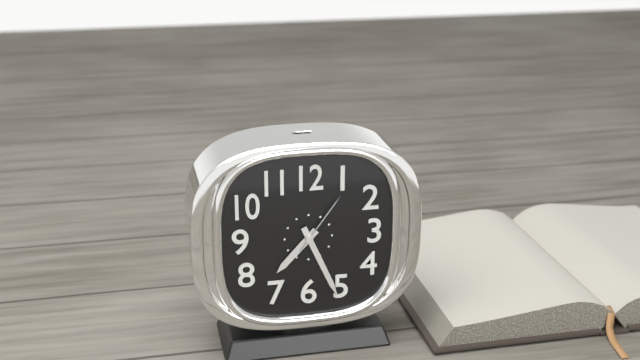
{"hour": 7, "minute": 26, "second": 6}
